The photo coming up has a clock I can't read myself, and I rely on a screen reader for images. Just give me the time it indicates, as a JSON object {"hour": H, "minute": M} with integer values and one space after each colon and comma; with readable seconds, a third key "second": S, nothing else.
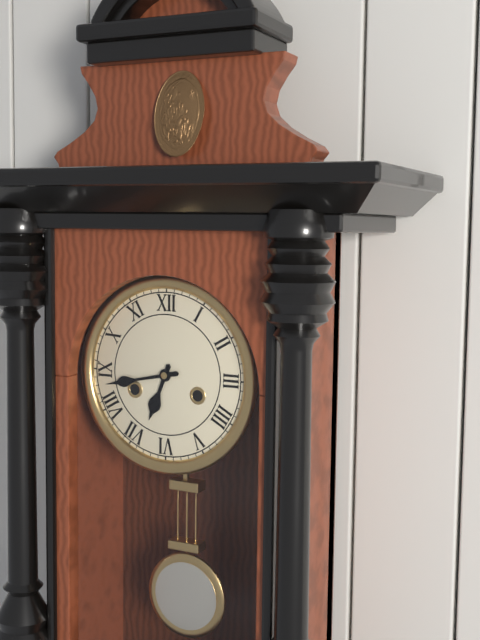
{"hour": 6, "minute": 43}
